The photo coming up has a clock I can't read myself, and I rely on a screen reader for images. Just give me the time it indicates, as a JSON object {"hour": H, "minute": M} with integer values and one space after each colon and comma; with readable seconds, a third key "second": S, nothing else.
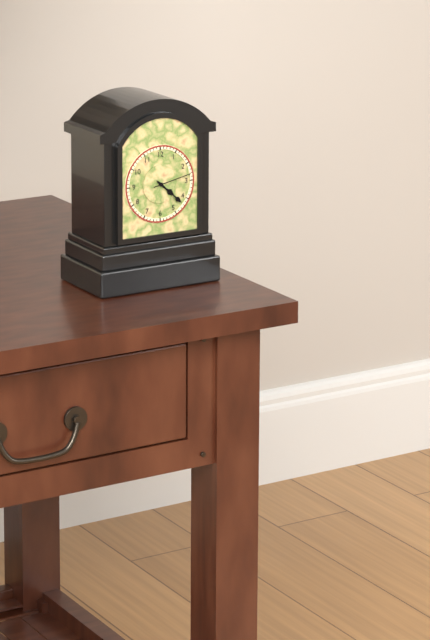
{"hour": 4, "minute": 22}
